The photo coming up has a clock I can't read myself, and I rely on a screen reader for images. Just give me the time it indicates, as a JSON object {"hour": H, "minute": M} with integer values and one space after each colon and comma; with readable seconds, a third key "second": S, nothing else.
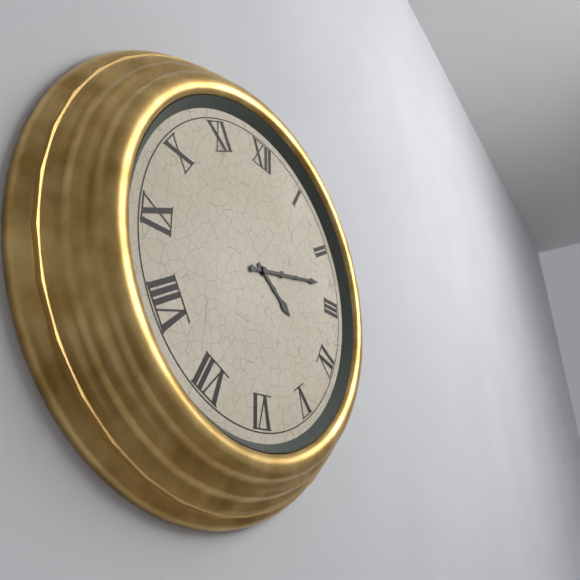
{"hour": 4, "minute": 13}
